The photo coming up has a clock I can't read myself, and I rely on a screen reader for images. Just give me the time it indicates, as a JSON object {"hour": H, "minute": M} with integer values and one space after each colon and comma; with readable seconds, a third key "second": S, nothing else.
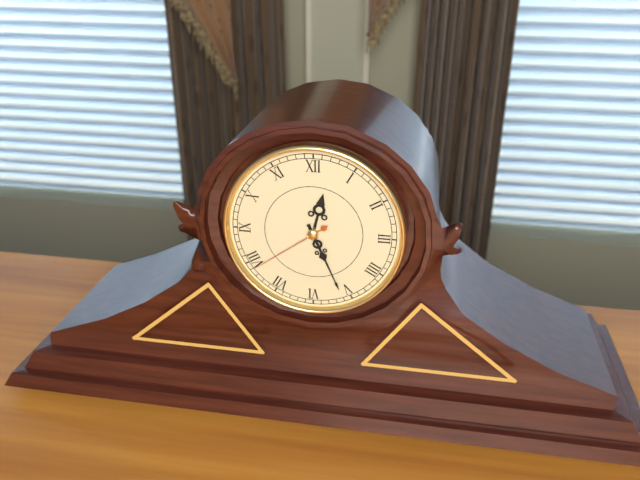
{"hour": 12, "minute": 26, "second": 39}
